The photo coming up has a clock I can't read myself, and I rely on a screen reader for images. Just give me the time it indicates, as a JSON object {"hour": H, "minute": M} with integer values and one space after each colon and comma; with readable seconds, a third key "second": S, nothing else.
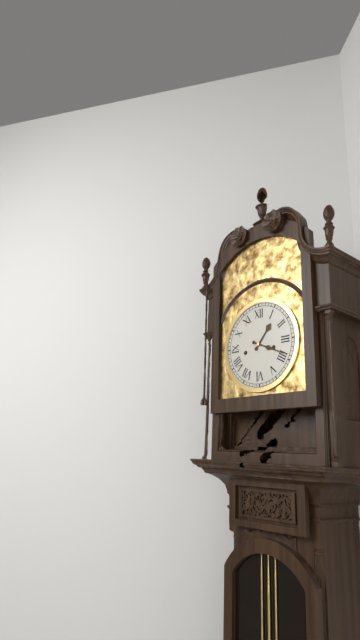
{"hour": 1, "minute": 19}
